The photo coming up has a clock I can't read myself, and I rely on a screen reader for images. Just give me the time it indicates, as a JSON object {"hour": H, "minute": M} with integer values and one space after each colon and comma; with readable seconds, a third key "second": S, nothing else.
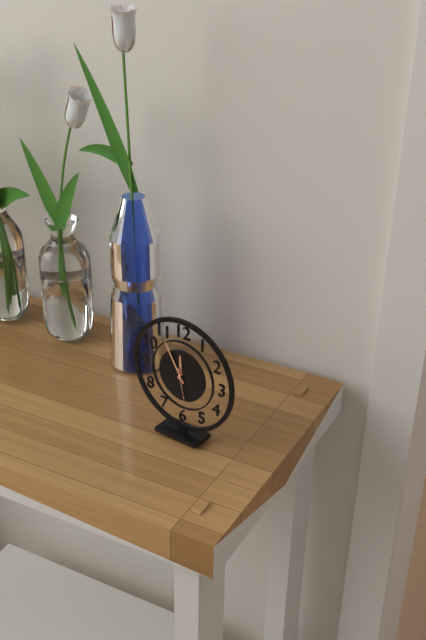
{"hour": 11, "minute": 55, "second": 28}
